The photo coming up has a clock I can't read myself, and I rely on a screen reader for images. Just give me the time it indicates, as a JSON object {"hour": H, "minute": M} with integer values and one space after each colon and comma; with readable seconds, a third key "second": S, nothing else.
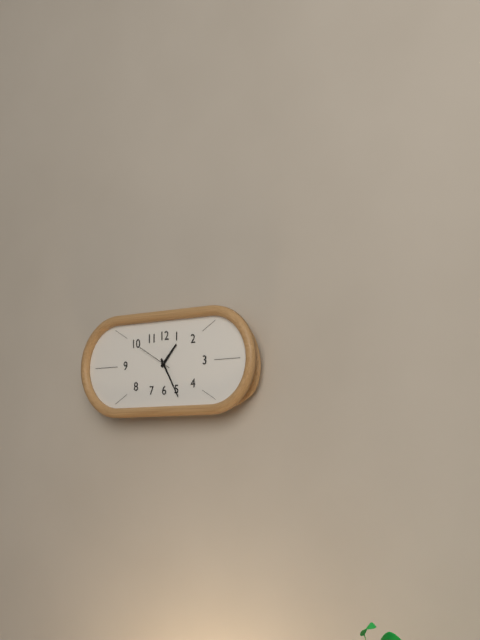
{"hour": 1, "minute": 25}
